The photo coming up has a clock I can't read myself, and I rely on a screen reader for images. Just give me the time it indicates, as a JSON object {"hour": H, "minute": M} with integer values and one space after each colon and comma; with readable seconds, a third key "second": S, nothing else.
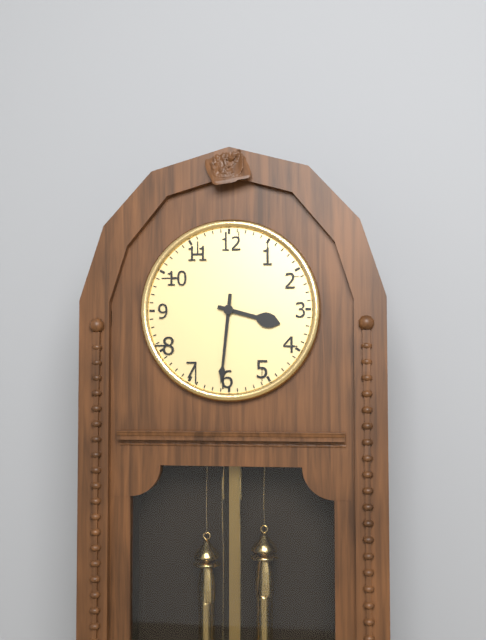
{"hour": 3, "minute": 31}
